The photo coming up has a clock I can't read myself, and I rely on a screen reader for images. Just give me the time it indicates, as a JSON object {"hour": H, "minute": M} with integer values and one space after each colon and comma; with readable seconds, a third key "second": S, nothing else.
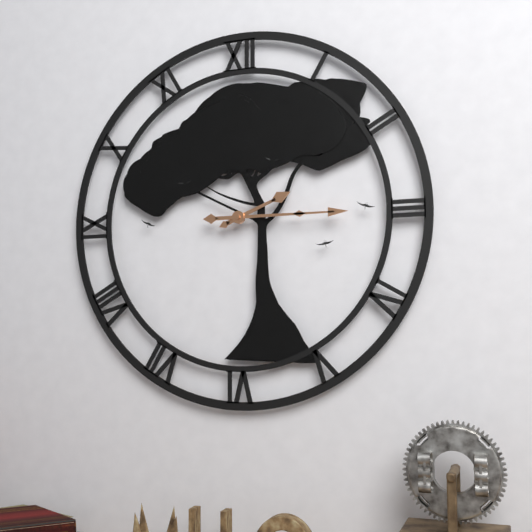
{"hour": 2, "minute": 15}
